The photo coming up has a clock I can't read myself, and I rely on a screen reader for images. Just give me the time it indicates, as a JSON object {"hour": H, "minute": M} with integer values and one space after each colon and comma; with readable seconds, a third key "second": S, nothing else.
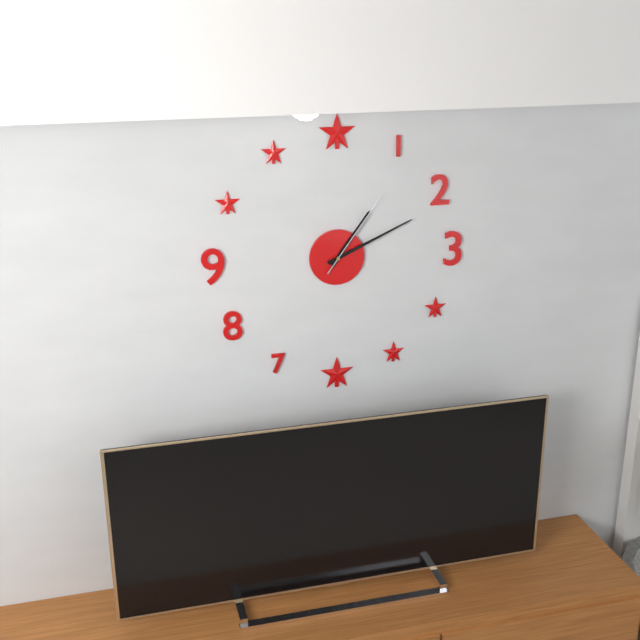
{"hour": 1, "minute": 11, "second": 6}
